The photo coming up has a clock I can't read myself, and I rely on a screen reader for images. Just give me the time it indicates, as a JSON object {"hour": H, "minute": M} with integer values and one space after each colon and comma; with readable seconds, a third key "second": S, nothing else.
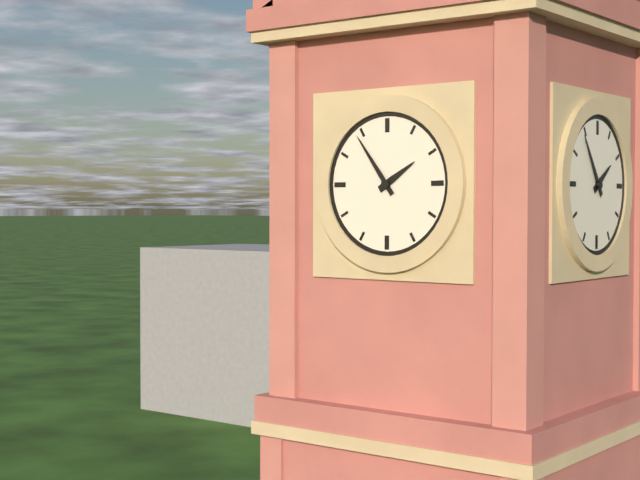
{"hour": 1, "minute": 54}
